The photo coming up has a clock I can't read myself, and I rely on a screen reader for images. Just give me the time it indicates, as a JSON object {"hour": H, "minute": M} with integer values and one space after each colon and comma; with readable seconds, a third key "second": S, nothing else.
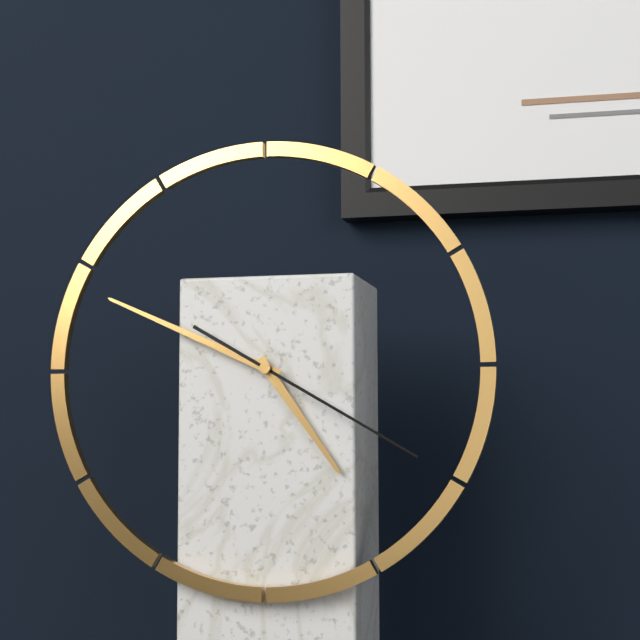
{"hour": 4, "minute": 49, "second": 20}
